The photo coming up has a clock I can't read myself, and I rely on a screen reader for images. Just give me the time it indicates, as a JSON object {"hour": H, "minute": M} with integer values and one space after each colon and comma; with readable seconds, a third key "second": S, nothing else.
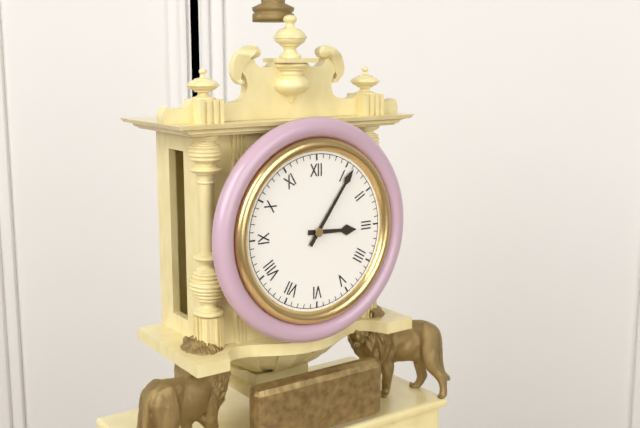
{"hour": 3, "minute": 6}
